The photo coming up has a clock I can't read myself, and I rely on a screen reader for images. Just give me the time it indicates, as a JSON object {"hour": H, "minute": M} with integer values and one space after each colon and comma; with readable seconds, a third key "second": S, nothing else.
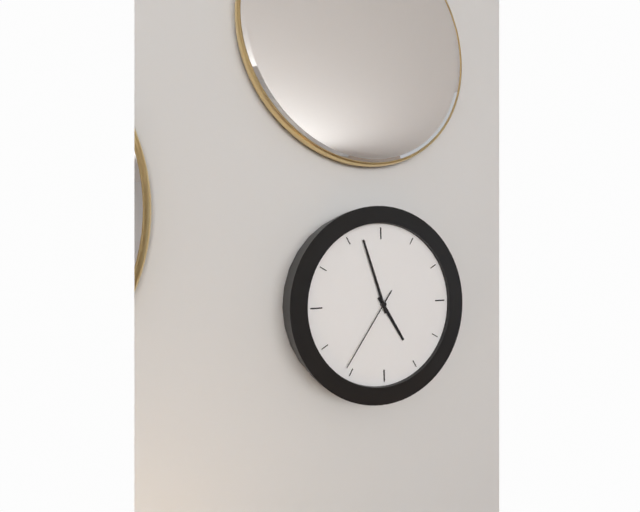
{"hour": 4, "minute": 57, "second": 36}
